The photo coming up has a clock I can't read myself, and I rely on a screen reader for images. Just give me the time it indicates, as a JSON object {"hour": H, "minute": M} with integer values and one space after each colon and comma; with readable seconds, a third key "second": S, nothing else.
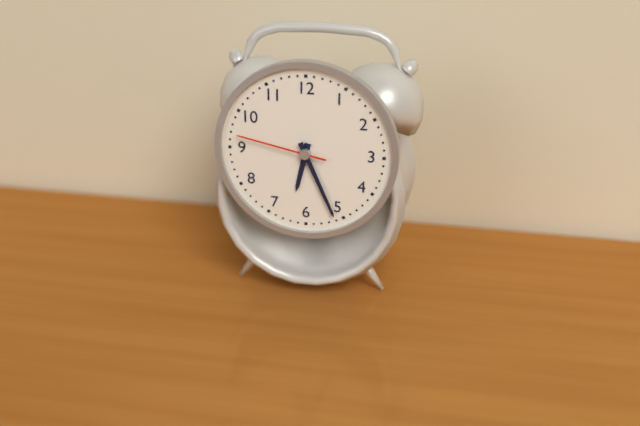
{"hour": 6, "minute": 26, "second": 47}
